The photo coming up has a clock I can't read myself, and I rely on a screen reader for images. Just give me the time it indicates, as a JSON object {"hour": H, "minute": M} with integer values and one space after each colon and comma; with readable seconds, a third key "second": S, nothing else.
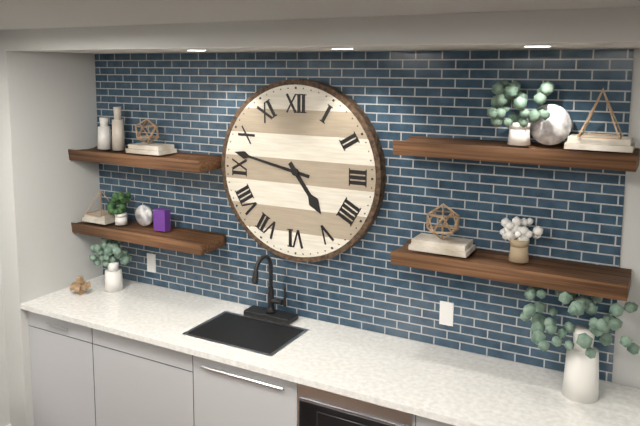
{"hour": 4, "minute": 47}
